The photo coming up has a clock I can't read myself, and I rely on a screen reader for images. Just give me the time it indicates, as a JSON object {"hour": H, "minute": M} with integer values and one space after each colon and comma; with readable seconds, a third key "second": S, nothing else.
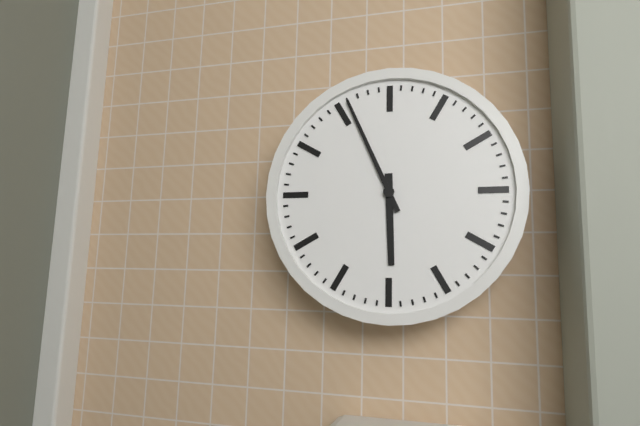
{"hour": 5, "minute": 56}
